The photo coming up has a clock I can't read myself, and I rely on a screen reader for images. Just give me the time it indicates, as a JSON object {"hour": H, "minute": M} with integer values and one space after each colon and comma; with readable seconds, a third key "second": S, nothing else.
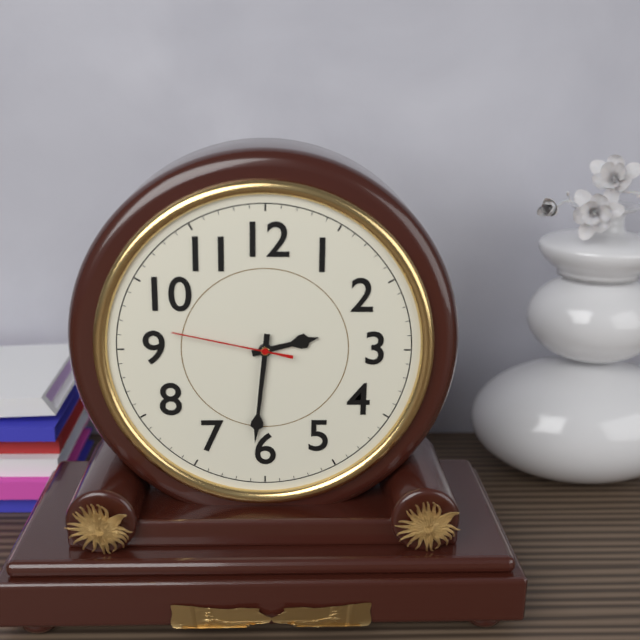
{"hour": 2, "minute": 31, "second": 47}
